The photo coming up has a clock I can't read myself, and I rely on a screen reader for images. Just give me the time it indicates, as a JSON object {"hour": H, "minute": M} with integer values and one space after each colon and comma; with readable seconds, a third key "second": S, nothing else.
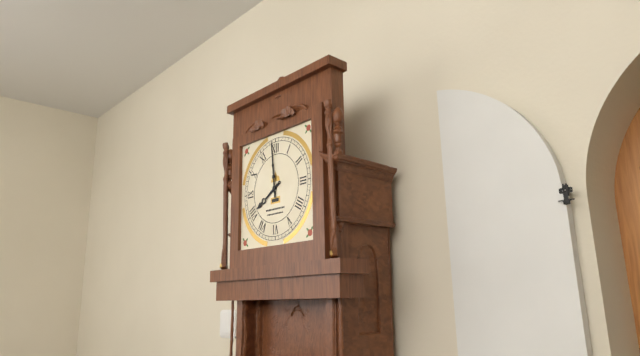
{"hour": 7, "minute": 59}
